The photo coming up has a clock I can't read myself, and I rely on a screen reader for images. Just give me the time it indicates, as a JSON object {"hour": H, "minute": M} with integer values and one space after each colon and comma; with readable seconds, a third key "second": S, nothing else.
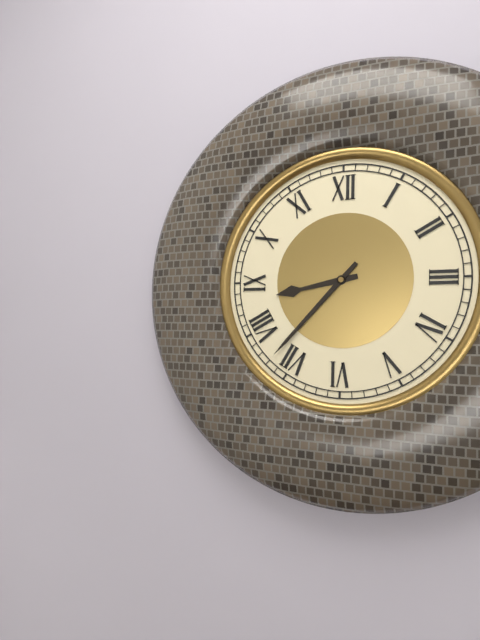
{"hour": 8, "minute": 37}
